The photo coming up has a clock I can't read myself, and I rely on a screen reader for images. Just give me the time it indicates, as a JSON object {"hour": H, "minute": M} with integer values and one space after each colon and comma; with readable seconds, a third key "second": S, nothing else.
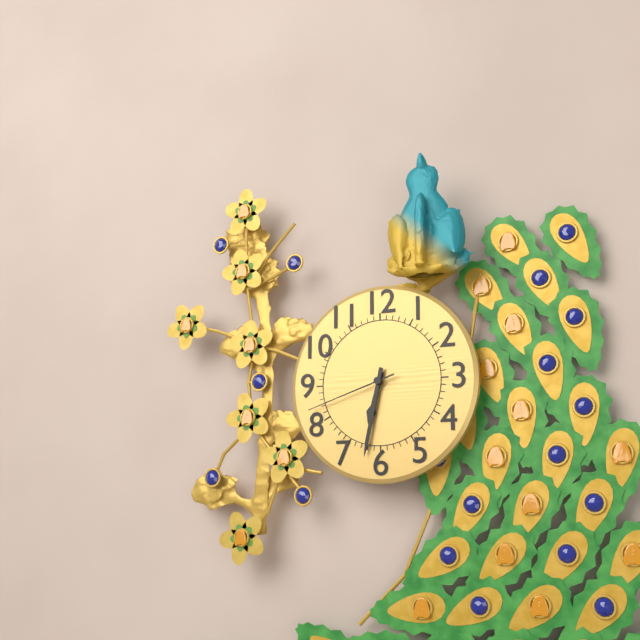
{"hour": 6, "minute": 32, "second": 42}
